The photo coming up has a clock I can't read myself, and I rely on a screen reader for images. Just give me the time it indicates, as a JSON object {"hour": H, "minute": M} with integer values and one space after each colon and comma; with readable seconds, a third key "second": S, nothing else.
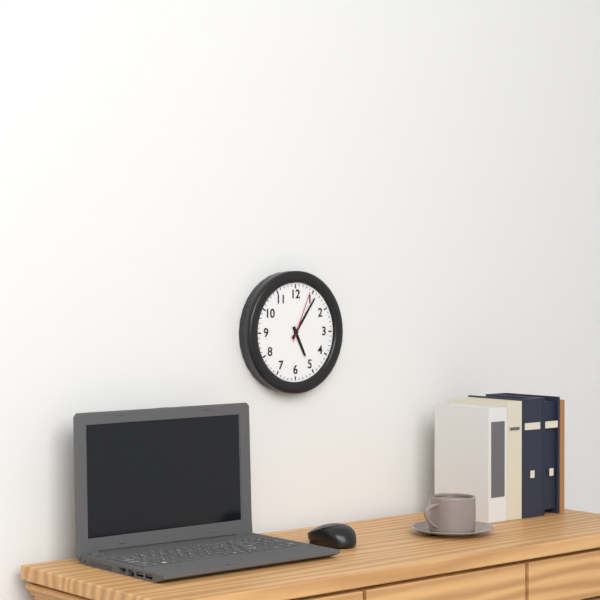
{"hour": 5, "minute": 6, "second": 4}
